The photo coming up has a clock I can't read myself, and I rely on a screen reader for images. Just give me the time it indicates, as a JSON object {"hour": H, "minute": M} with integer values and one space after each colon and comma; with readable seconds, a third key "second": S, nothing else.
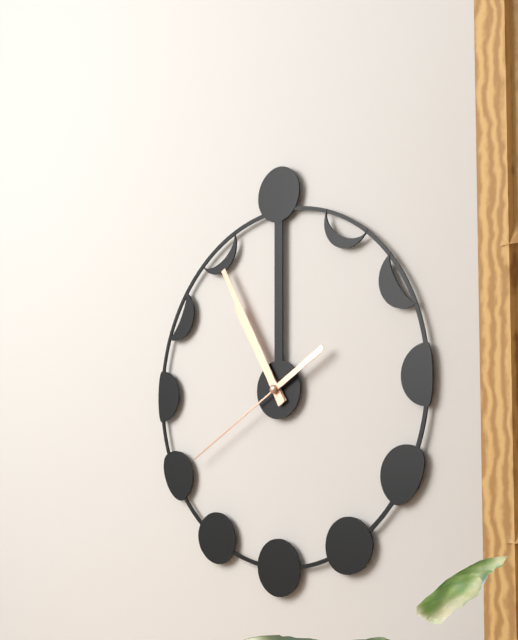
{"hour": 10, "minute": 55, "second": 40}
